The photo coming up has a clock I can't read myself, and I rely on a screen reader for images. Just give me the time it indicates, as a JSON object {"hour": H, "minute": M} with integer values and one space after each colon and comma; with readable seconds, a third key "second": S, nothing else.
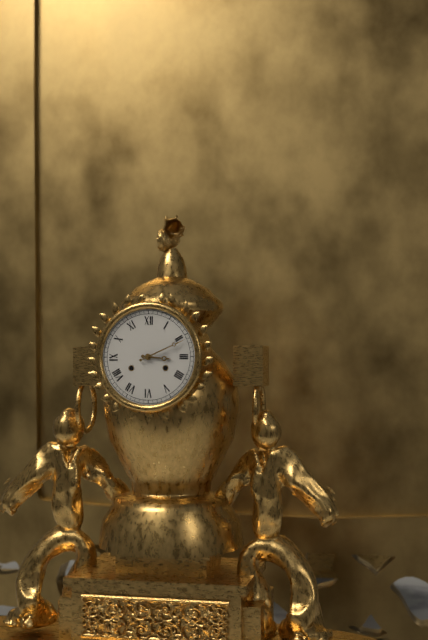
{"hour": 3, "minute": 11}
